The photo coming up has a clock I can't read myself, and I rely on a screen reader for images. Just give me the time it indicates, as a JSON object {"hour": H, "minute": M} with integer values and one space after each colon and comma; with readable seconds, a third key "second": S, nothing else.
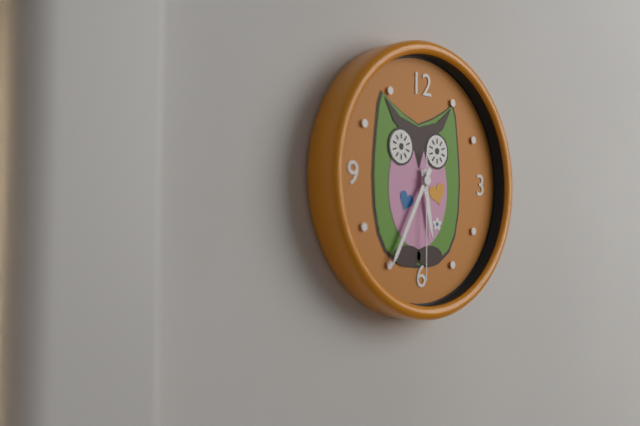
{"hour": 5, "minute": 35, "second": 30}
